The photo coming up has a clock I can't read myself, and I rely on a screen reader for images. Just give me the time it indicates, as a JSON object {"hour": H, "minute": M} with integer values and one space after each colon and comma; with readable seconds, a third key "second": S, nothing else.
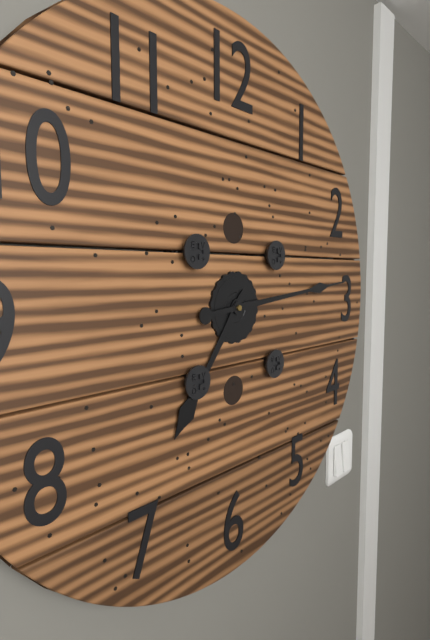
{"hour": 7, "minute": 14}
